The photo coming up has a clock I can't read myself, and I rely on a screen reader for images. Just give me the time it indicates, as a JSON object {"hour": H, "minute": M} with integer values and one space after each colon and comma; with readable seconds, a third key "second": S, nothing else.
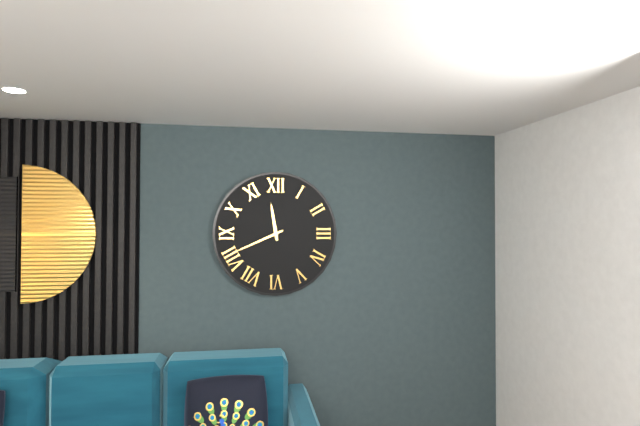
{"hour": 11, "minute": 41}
